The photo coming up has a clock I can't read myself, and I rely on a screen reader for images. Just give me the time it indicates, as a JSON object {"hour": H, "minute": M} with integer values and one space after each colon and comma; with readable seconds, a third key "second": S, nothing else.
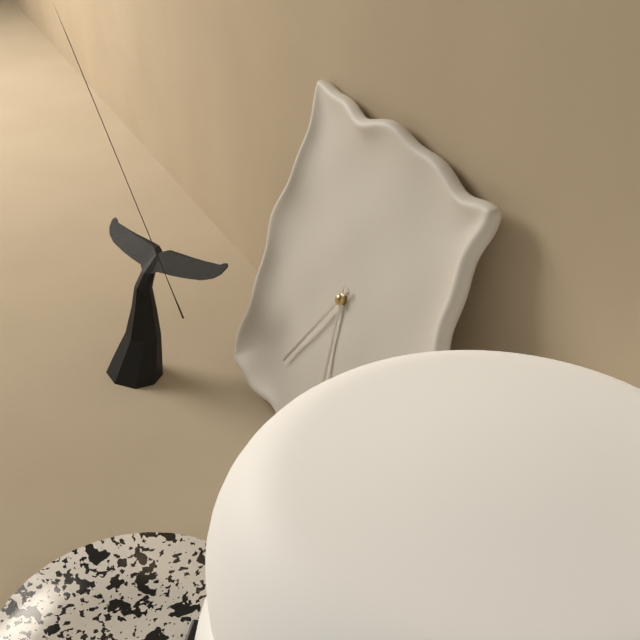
{"hour": 5, "minute": 35}
